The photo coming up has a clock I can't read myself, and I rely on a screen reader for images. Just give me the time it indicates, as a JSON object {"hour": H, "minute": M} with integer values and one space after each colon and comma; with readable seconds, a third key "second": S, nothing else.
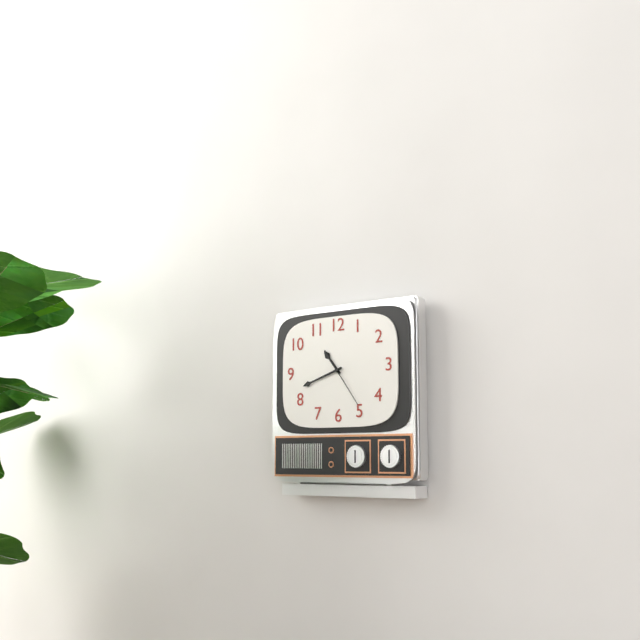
{"hour": 10, "minute": 42, "second": 24}
